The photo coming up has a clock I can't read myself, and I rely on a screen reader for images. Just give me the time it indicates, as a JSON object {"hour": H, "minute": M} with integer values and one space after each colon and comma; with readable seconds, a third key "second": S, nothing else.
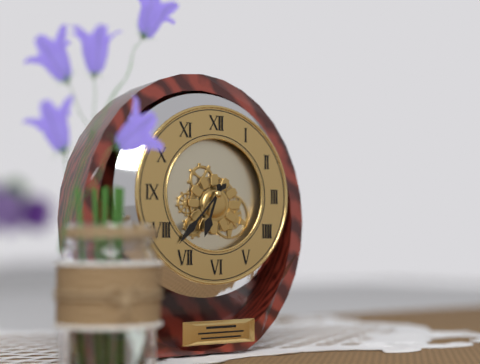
{"hour": 6, "minute": 37}
